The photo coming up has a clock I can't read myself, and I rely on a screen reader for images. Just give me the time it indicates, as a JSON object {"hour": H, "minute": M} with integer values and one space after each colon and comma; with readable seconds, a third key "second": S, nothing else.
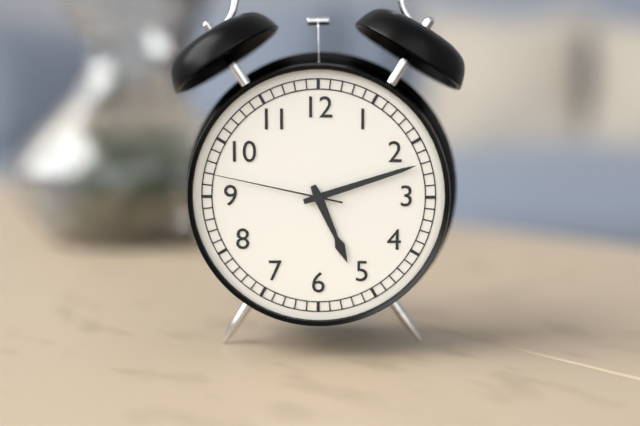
{"hour": 5, "minute": 12, "second": 47}
